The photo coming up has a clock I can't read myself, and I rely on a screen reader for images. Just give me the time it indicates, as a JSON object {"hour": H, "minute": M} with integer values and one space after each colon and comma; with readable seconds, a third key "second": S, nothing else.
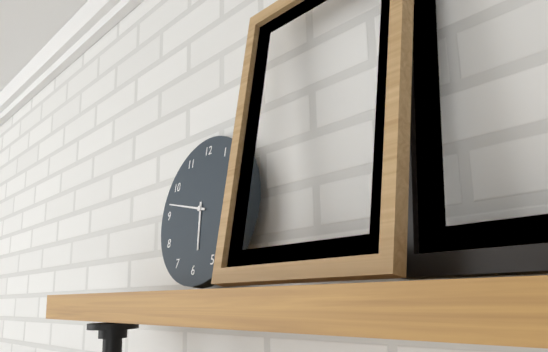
{"hour": 5, "minute": 47}
